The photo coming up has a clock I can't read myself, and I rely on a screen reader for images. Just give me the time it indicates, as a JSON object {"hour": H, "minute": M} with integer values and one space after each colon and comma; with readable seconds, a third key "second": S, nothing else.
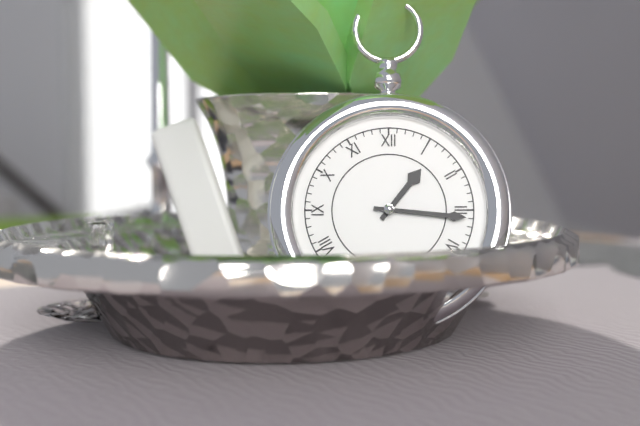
{"hour": 1, "minute": 16}
